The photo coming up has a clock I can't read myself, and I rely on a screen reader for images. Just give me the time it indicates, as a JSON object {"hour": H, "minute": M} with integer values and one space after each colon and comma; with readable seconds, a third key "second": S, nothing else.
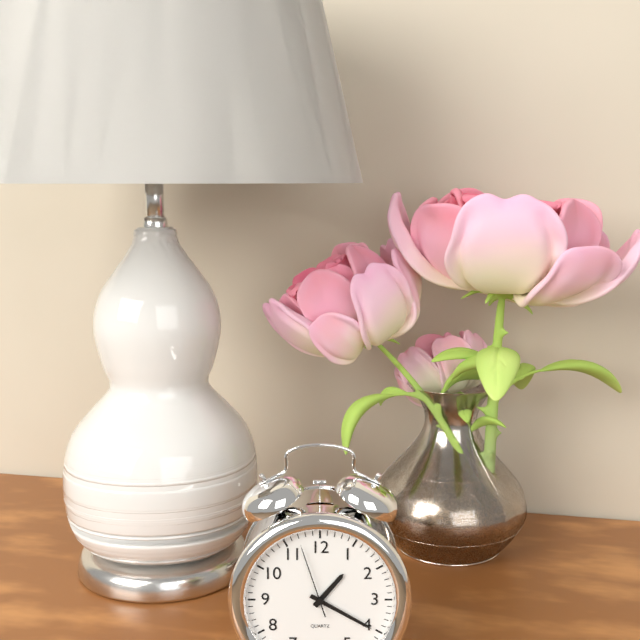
{"hour": 1, "minute": 20, "second": 57}
